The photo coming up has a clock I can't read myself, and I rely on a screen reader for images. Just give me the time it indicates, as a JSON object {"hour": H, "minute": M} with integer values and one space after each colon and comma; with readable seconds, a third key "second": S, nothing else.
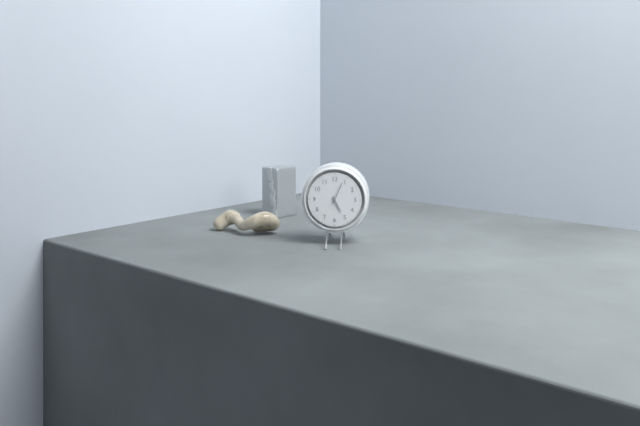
{"hour": 5, "minute": 4}
